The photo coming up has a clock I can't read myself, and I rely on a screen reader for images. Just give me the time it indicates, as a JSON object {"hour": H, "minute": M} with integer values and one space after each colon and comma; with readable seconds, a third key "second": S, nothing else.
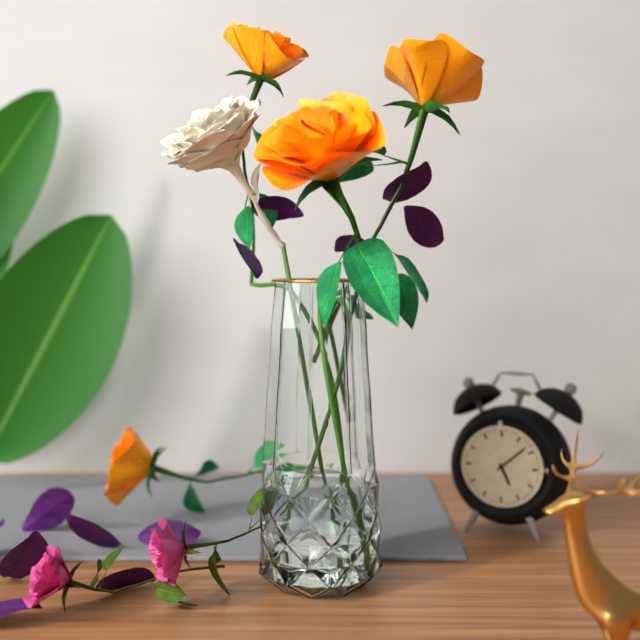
{"hour": 5, "minute": 8}
